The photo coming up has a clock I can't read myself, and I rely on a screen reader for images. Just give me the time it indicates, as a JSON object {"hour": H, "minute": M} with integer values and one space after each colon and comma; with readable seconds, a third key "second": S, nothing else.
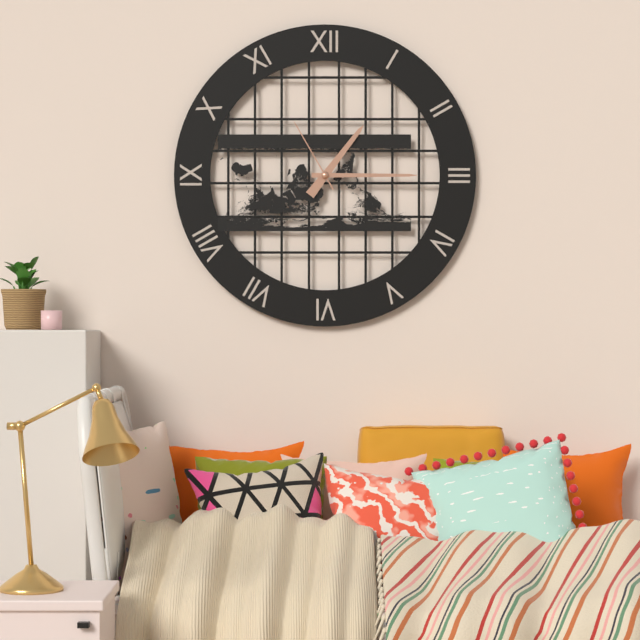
{"hour": 1, "minute": 15, "second": 55}
